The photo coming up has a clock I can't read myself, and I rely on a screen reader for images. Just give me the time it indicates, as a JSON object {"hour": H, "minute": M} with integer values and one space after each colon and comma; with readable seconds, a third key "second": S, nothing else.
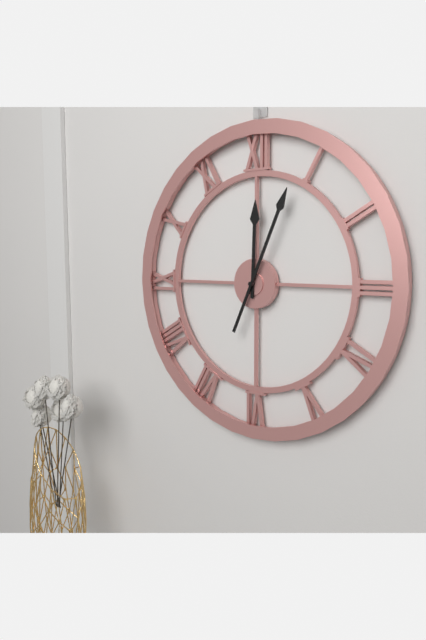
{"hour": 12, "minute": 4}
